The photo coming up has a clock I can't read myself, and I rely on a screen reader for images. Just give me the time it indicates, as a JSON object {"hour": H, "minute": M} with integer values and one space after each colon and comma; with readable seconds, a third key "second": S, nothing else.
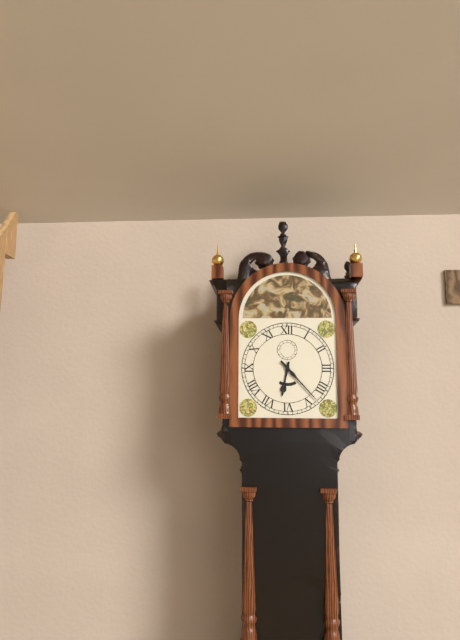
{"hour": 6, "minute": 23}
